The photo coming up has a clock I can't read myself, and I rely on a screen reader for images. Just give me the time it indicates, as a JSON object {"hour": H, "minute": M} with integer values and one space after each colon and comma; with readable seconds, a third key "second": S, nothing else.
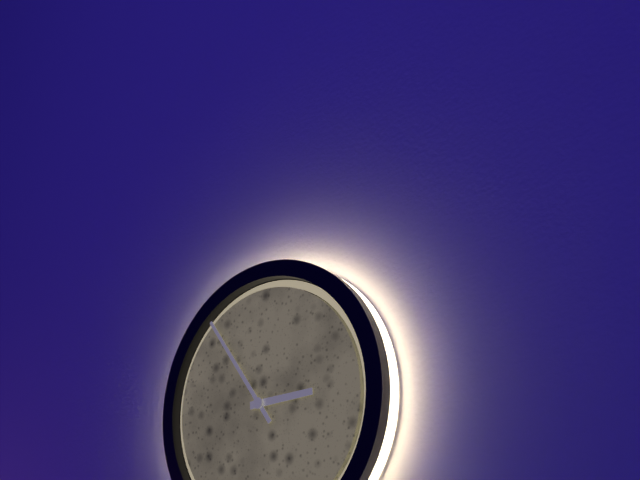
{"hour": 2, "minute": 54}
